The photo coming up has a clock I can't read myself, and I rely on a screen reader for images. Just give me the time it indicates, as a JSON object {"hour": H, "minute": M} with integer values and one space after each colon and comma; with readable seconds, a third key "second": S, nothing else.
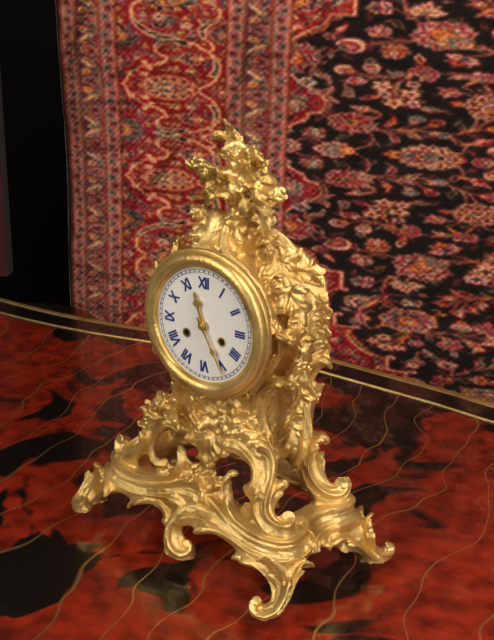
{"hour": 11, "minute": 25}
